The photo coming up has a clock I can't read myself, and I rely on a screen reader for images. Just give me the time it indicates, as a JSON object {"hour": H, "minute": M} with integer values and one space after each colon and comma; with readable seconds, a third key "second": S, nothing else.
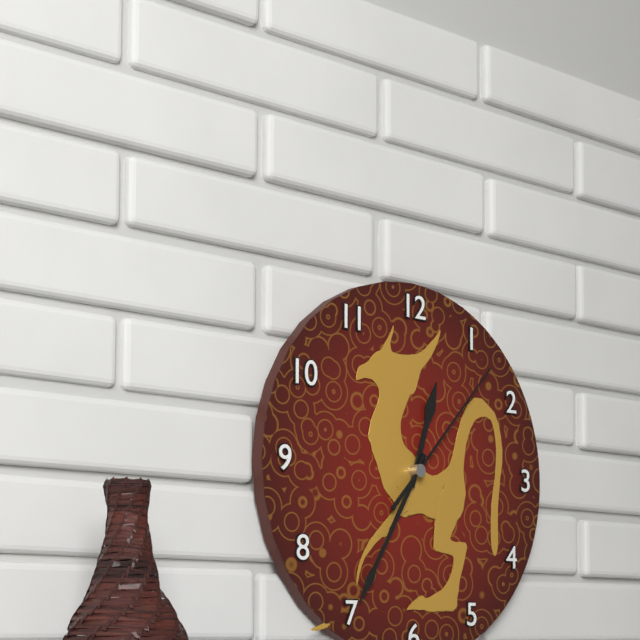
{"hour": 12, "minute": 35, "second": 7}
